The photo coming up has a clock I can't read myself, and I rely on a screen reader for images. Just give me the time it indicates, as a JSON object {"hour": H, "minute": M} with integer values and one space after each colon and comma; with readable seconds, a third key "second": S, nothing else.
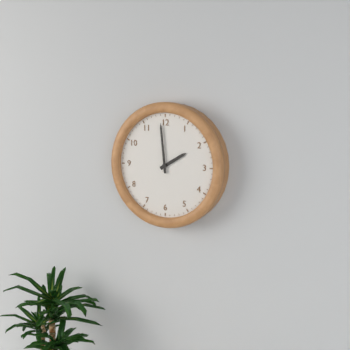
{"hour": 1, "minute": 59}
